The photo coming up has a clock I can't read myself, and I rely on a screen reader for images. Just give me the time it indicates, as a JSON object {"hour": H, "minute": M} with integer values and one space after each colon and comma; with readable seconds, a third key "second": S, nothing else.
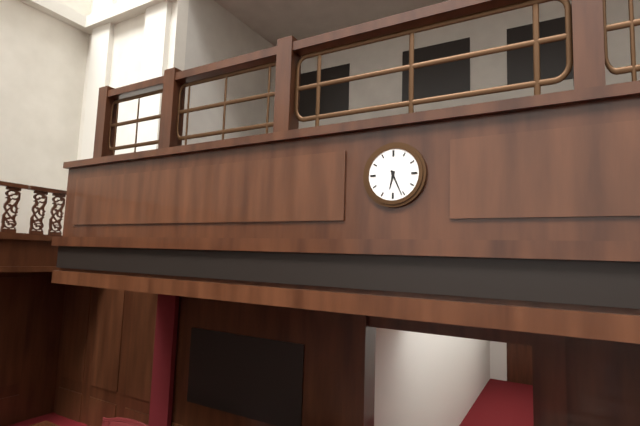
{"hour": 6, "minute": 26}
